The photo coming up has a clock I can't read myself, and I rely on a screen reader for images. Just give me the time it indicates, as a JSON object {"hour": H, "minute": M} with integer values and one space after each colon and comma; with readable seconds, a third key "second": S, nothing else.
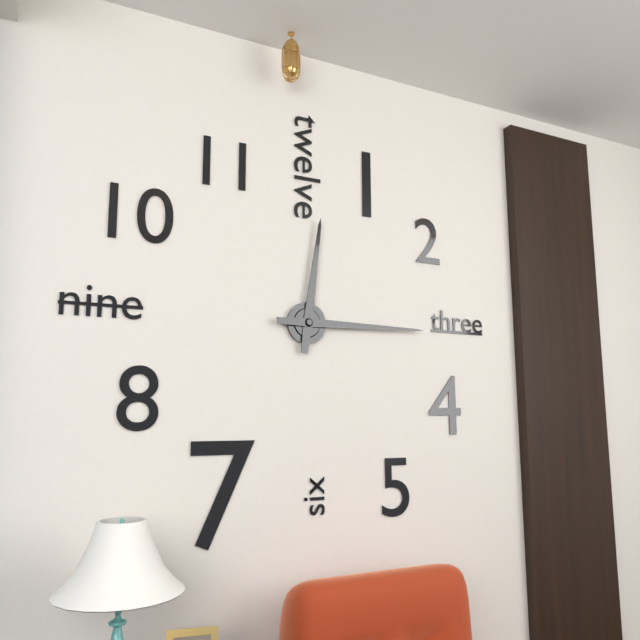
{"hour": 12, "minute": 15}
